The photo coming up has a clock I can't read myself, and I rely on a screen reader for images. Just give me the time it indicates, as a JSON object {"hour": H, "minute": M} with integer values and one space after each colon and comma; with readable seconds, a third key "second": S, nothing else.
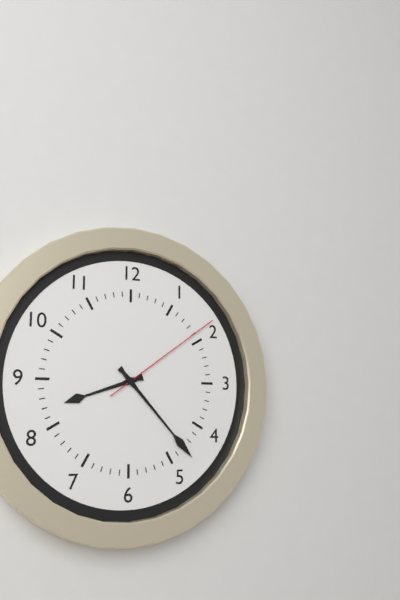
{"hour": 8, "minute": 23, "second": 9}
